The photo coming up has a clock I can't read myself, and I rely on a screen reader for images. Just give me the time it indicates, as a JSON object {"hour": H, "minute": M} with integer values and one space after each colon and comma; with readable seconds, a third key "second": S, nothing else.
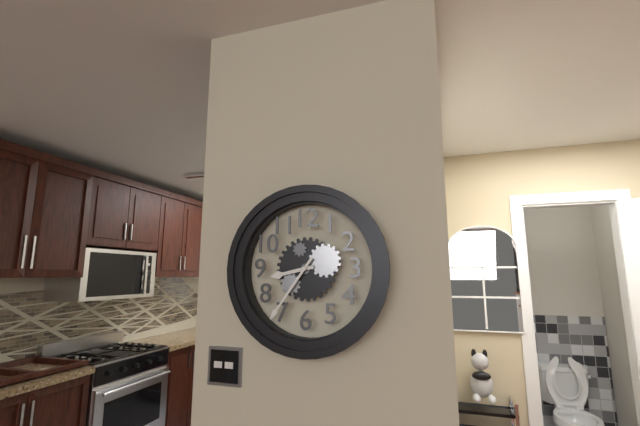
{"hour": 8, "minute": 36}
